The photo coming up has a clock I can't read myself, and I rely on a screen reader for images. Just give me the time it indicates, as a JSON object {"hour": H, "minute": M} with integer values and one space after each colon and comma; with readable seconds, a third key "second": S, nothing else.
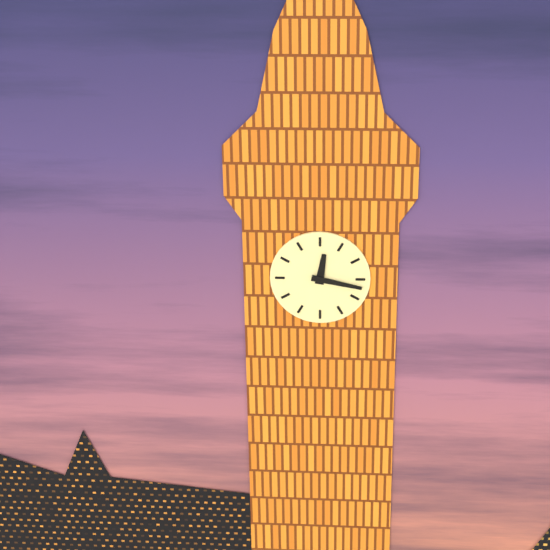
{"hour": 12, "minute": 17}
